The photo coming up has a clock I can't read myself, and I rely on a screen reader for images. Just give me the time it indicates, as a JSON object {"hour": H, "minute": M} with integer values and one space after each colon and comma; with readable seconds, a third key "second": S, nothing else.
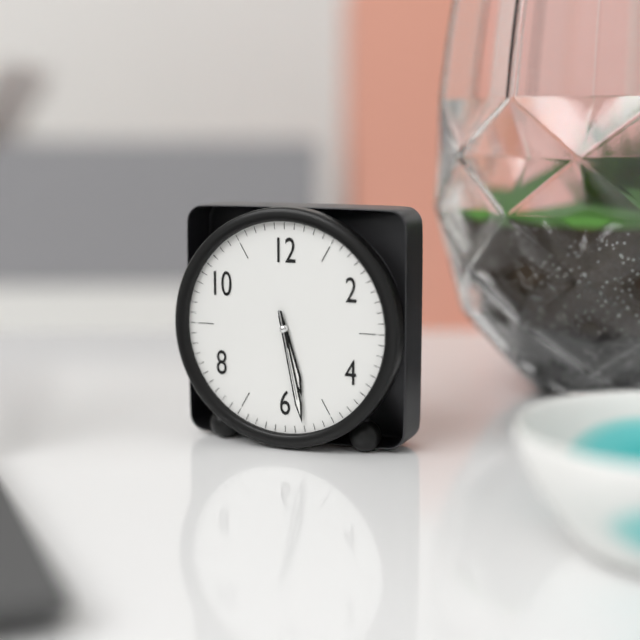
{"hour": 5, "minute": 28, "second": 28}
